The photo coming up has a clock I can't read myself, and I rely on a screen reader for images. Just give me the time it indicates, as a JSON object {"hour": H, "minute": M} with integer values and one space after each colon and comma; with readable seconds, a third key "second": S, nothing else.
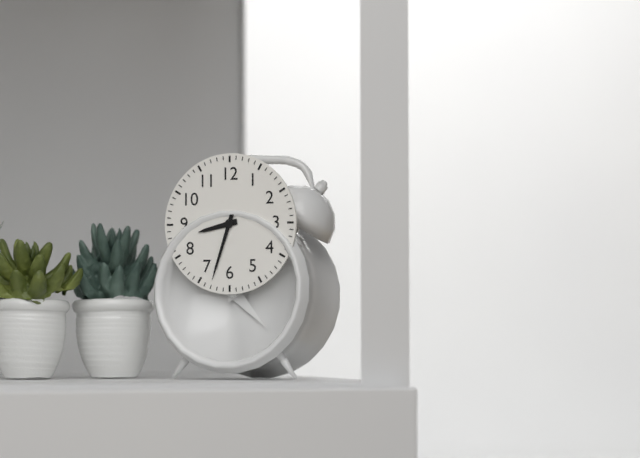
{"hour": 8, "minute": 33}
